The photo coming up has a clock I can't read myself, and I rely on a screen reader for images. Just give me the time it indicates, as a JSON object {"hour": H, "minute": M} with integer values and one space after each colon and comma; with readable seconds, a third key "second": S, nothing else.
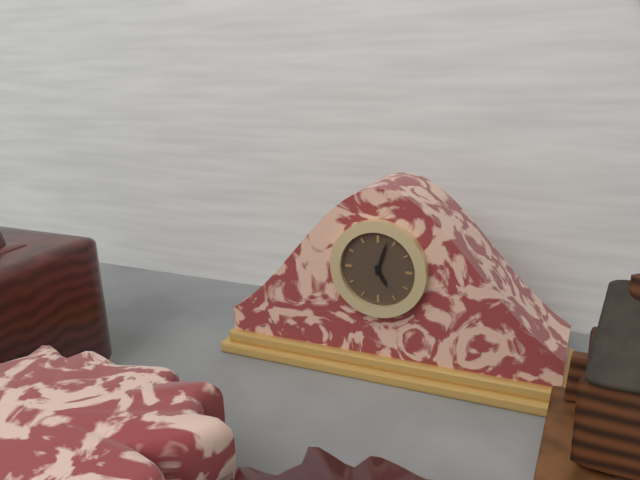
{"hour": 5, "minute": 3}
